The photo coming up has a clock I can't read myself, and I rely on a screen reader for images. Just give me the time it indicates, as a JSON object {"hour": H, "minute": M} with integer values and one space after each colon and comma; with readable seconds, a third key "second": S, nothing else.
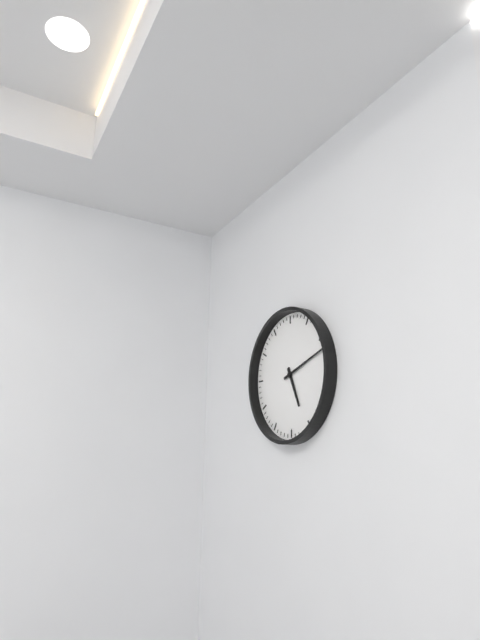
{"hour": 5, "minute": 12}
